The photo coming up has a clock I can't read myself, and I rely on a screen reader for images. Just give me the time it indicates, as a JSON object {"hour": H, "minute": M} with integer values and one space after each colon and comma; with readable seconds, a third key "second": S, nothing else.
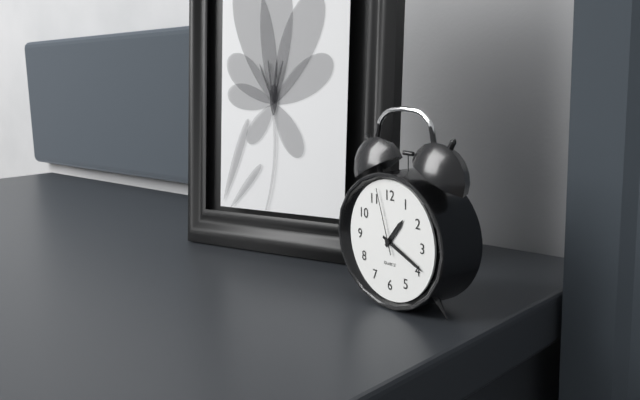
{"hour": 1, "minute": 19, "second": 57}
